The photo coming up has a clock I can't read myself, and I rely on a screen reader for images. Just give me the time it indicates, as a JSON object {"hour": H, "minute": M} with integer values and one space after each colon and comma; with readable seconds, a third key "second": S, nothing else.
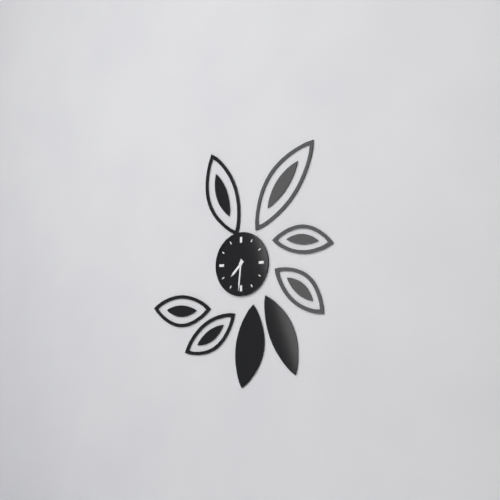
{"hour": 7, "minute": 31}
